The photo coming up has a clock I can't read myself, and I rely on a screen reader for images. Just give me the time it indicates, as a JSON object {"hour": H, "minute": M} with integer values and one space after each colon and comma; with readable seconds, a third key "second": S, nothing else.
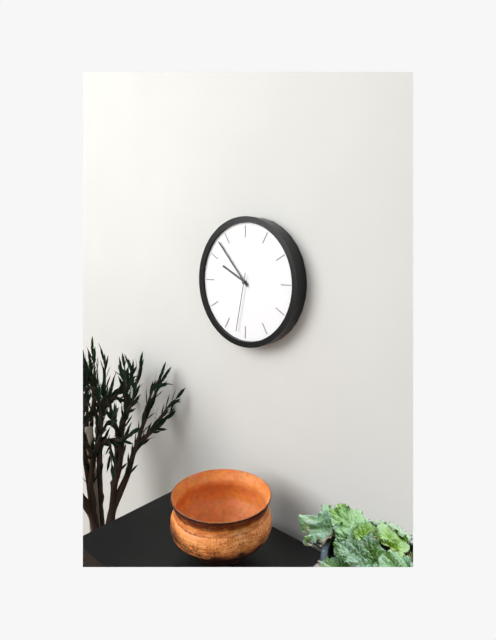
{"hour": 9, "minute": 53, "second": 32}
